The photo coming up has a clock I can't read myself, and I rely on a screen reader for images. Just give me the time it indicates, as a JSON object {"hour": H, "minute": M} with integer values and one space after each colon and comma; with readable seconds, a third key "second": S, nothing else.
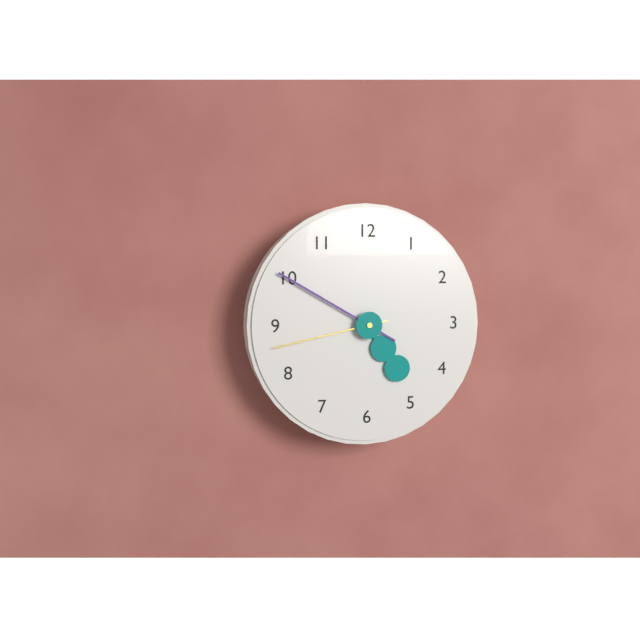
{"hour": 4, "minute": 50, "second": 43}
